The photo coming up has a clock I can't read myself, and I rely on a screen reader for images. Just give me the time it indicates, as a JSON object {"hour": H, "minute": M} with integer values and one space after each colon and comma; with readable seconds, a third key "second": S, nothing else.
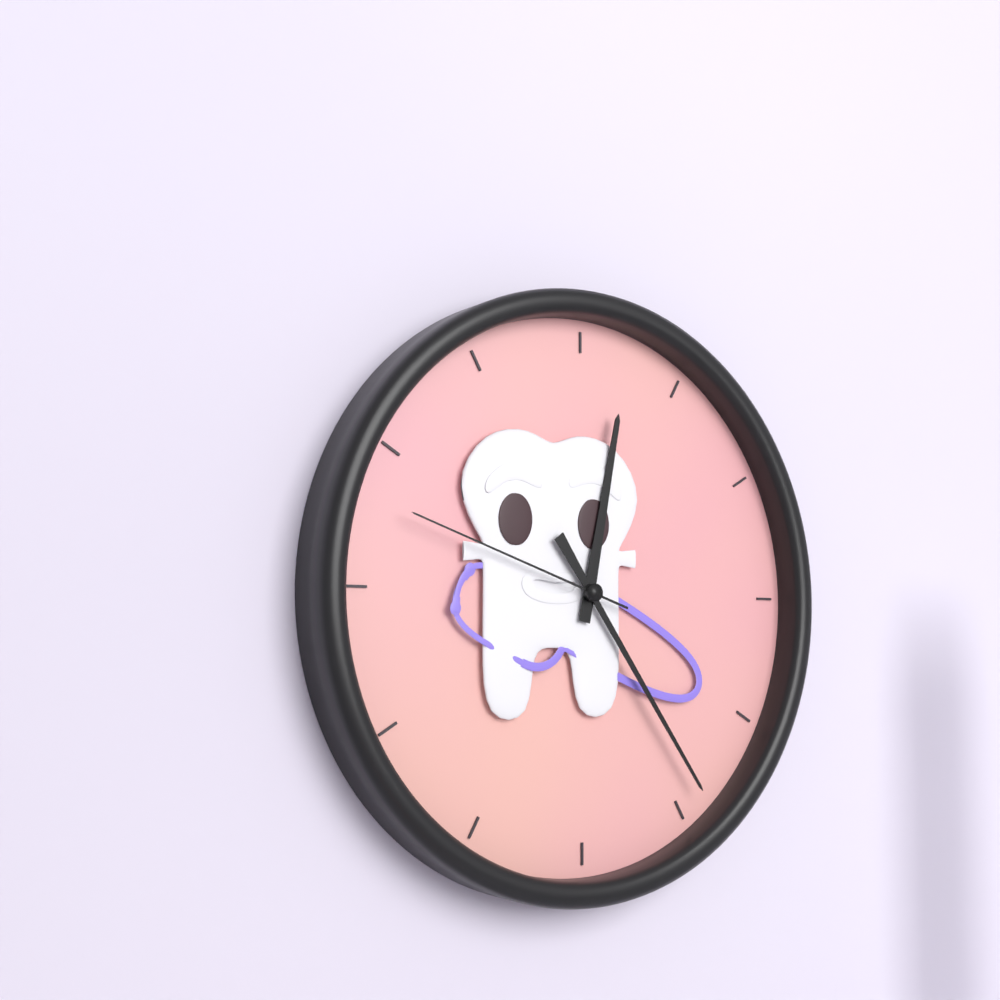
{"hour": 12, "minute": 24, "second": 48}
